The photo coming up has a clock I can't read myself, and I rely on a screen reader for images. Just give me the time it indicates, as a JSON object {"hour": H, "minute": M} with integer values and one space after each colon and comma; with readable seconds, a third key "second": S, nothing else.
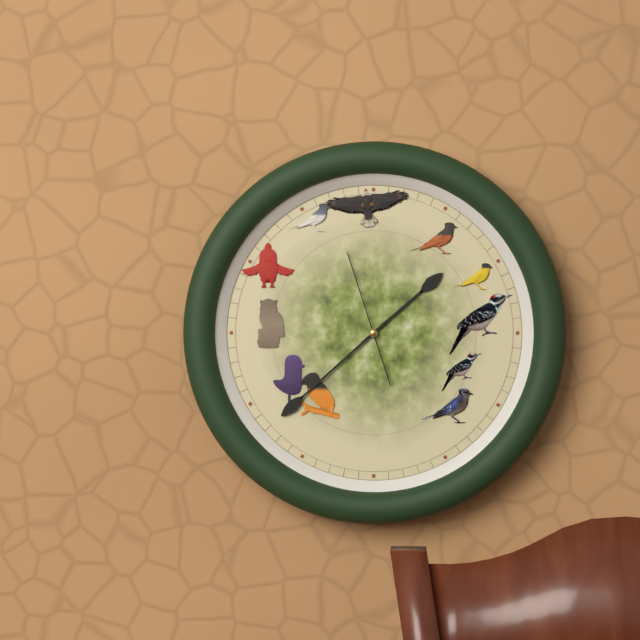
{"hour": 1, "minute": 38, "second": 57}
